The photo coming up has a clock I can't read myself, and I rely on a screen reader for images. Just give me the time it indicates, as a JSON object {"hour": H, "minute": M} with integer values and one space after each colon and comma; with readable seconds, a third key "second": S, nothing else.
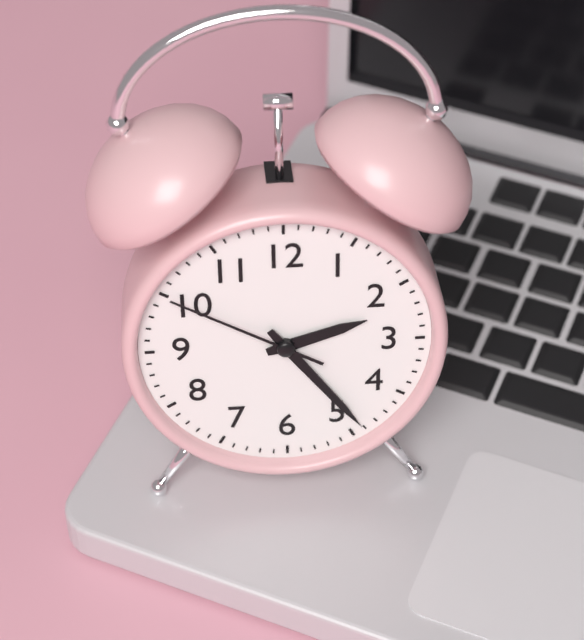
{"hour": 2, "minute": 24, "second": 50}
